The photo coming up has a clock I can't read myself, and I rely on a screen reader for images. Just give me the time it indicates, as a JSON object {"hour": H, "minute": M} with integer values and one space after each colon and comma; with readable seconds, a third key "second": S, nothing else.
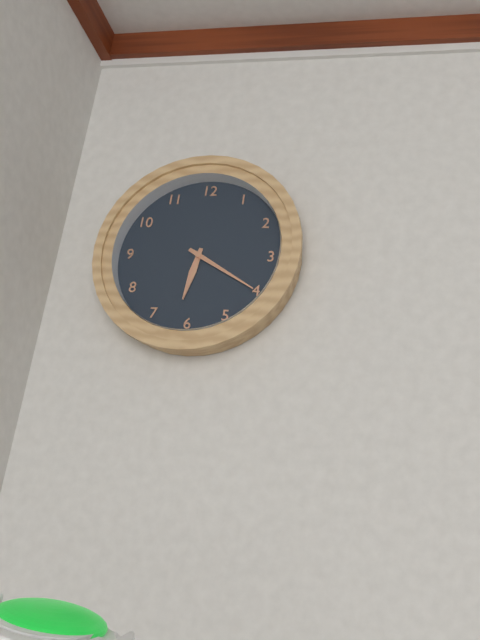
{"hour": 6, "minute": 20}
